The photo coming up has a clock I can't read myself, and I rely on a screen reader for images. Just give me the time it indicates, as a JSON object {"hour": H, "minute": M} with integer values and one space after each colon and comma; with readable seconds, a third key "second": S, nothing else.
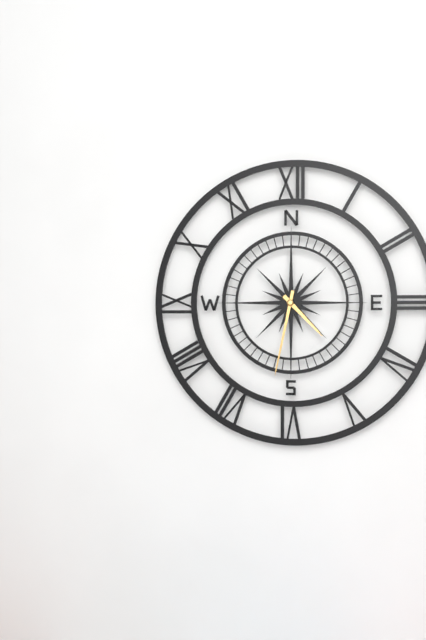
{"hour": 4, "minute": 32}
